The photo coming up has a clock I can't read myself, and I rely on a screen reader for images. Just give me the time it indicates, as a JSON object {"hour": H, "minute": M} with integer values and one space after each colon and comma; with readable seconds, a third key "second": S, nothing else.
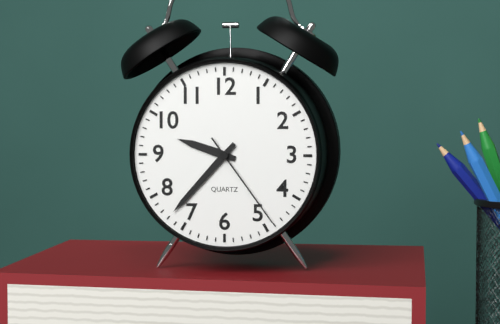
{"hour": 9, "minute": 37, "second": 24}
